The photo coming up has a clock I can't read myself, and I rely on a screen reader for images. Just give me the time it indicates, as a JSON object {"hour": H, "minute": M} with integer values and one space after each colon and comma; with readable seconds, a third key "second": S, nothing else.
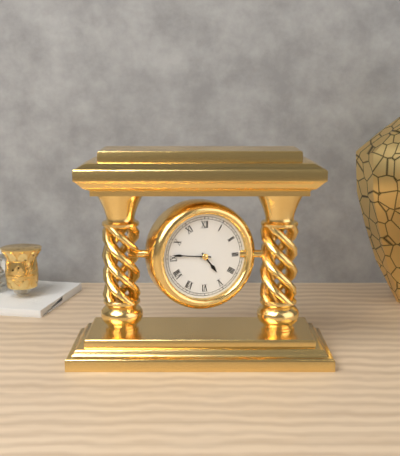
{"hour": 4, "minute": 46}
